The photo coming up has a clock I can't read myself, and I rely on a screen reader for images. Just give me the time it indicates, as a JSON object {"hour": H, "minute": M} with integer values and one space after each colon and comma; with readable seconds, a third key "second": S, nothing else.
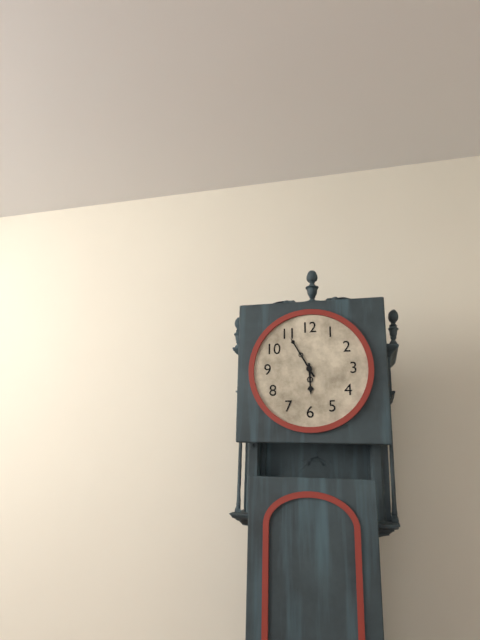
{"hour": 5, "minute": 55}
